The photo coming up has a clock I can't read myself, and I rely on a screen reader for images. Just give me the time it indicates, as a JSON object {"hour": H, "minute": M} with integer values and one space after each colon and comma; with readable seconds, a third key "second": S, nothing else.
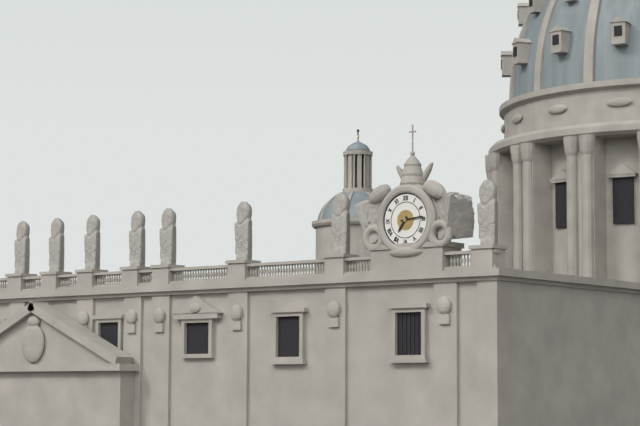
{"hour": 7, "minute": 14}
